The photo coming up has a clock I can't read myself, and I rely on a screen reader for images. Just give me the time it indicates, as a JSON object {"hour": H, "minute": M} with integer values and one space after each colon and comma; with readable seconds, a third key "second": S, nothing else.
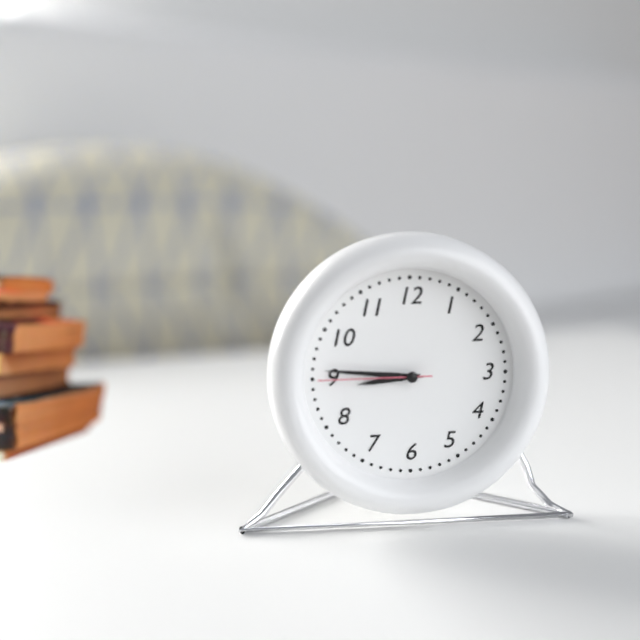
{"hour": 8, "minute": 46, "second": 45}
